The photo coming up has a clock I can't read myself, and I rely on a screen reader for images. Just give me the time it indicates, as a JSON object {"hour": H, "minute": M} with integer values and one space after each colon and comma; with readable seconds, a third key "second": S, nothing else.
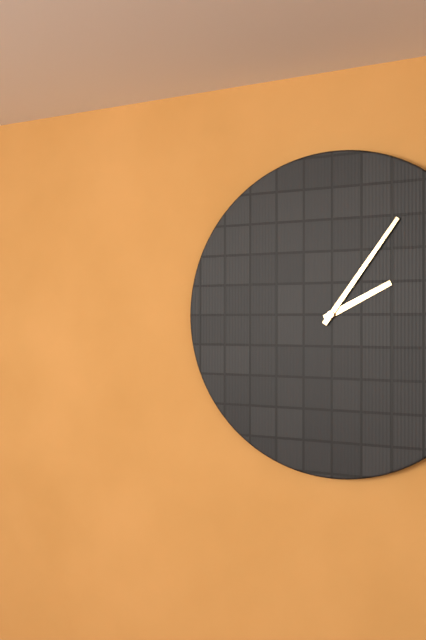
{"hour": 2, "minute": 6}
